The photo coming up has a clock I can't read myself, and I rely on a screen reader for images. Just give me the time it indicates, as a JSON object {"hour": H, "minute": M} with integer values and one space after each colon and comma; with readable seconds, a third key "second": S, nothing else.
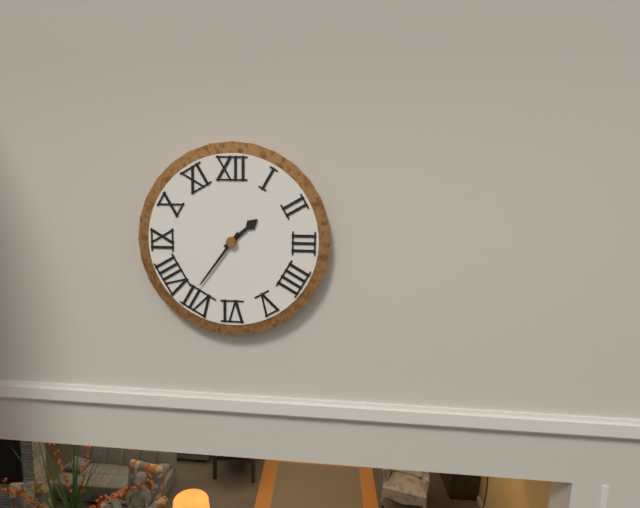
{"hour": 1, "minute": 36}
